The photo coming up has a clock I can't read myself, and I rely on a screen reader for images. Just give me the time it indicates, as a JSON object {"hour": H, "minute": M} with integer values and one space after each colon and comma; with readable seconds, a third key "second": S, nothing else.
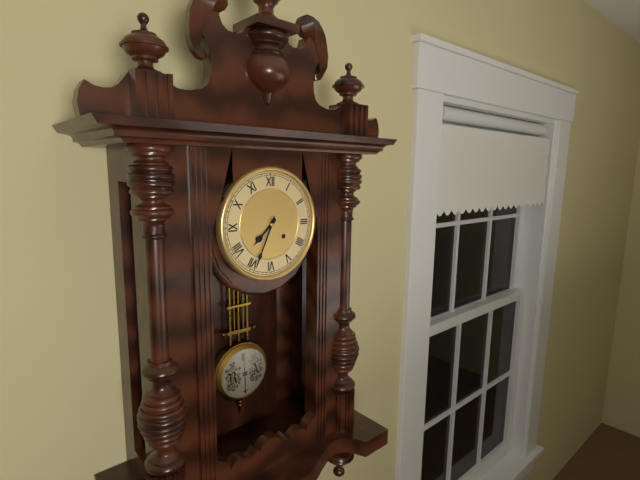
{"hour": 7, "minute": 34}
